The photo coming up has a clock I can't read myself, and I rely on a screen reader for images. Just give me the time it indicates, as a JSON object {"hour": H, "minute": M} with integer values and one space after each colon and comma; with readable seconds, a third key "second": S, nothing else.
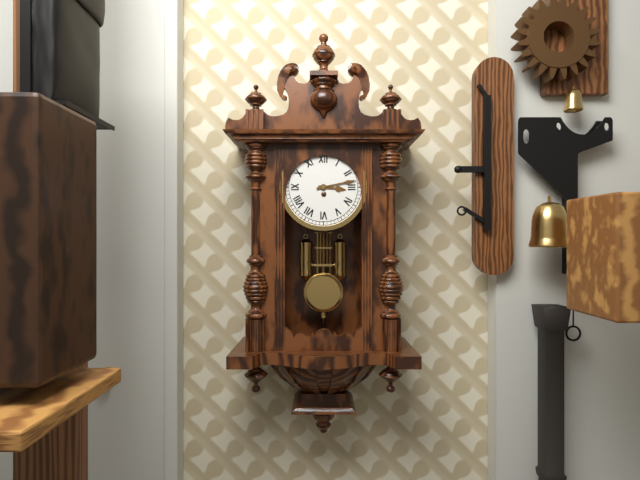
{"hour": 3, "minute": 13}
